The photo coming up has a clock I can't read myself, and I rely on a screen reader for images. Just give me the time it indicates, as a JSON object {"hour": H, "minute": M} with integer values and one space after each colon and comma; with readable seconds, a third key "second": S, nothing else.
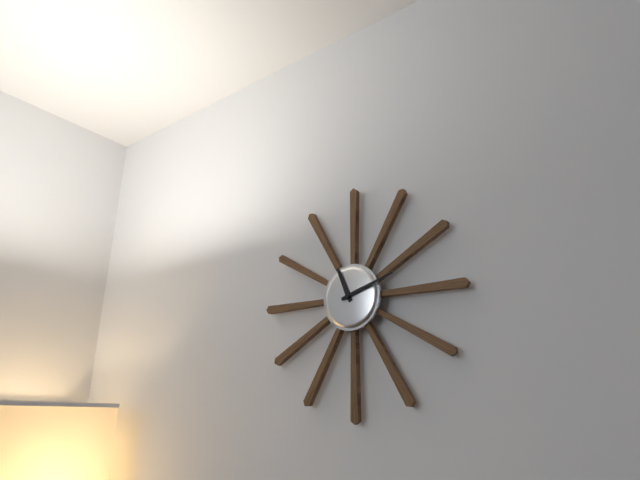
{"hour": 11, "minute": 12}
